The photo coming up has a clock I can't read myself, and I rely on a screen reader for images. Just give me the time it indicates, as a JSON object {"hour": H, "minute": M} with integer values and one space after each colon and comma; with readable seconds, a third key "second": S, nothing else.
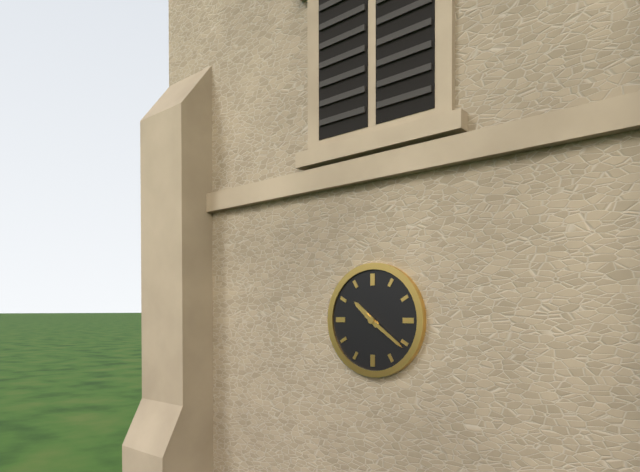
{"hour": 10, "minute": 21}
